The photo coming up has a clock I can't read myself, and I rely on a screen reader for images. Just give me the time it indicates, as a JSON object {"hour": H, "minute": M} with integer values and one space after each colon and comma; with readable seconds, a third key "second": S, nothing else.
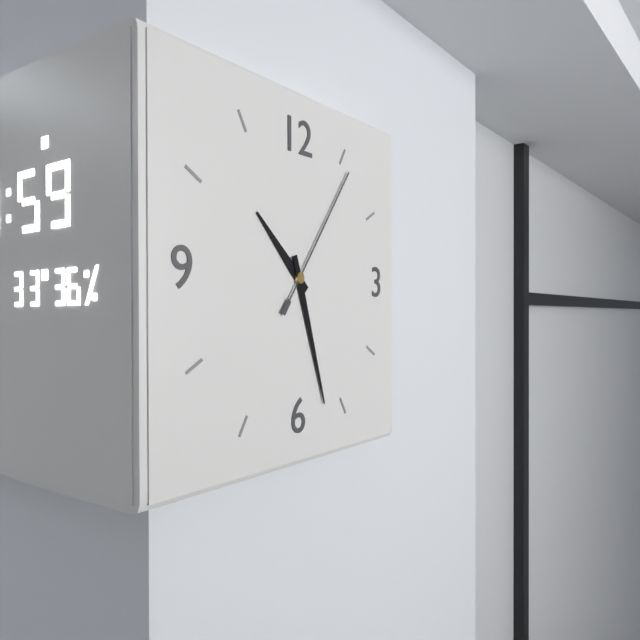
{"hour": 10, "minute": 27, "second": 6}
